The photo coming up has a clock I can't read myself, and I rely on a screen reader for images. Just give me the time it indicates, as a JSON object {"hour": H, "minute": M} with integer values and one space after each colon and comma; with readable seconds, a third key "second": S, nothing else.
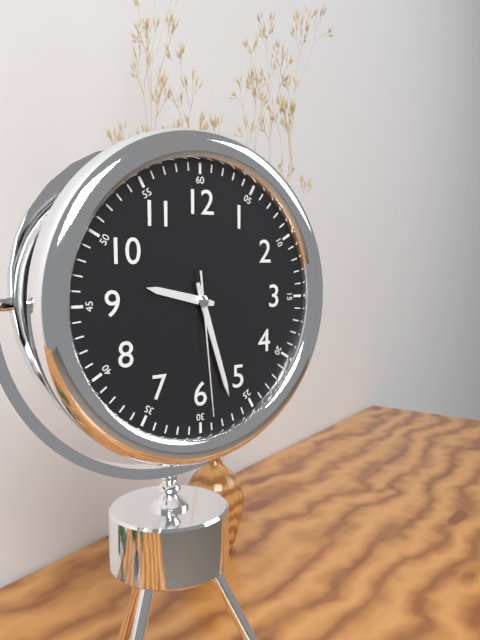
{"hour": 9, "minute": 27, "second": 29}
